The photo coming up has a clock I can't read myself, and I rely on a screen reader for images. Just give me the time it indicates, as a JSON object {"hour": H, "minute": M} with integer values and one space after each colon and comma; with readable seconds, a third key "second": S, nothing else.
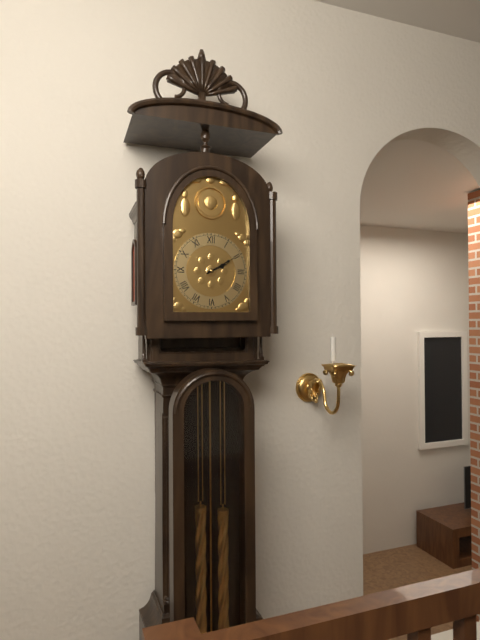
{"hour": 2, "minute": 10}
